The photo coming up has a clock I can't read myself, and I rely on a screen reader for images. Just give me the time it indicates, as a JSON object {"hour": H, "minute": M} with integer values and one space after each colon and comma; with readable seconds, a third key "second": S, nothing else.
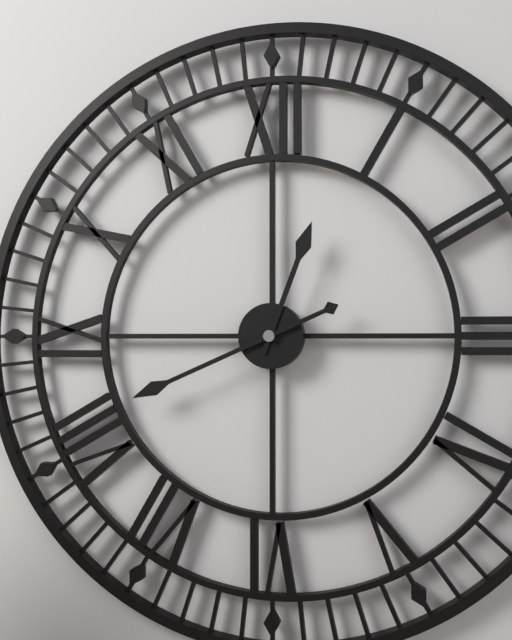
{"hour": 12, "minute": 41}
